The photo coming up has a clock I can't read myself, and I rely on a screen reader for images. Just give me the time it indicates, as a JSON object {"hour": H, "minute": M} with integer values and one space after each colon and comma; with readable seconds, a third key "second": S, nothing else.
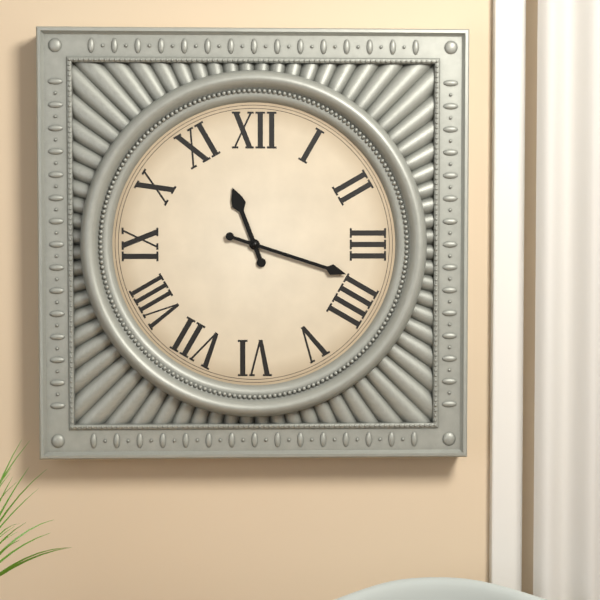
{"hour": 11, "minute": 18}
